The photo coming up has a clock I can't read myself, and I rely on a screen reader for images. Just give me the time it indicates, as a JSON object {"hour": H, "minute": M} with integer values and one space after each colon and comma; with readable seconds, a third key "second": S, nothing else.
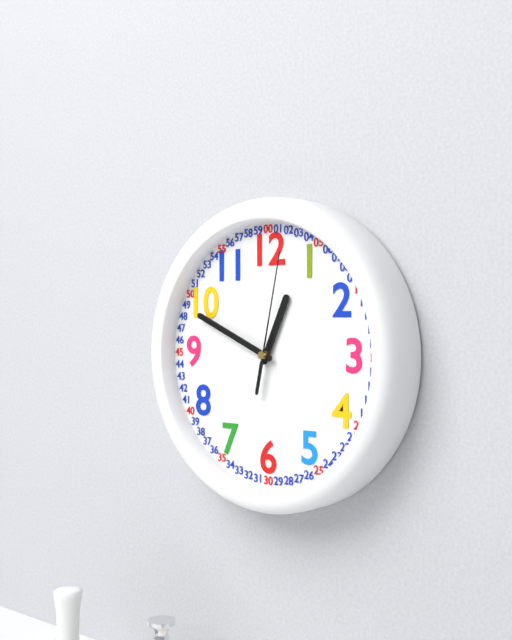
{"hour": 12, "minute": 49, "second": 2}
